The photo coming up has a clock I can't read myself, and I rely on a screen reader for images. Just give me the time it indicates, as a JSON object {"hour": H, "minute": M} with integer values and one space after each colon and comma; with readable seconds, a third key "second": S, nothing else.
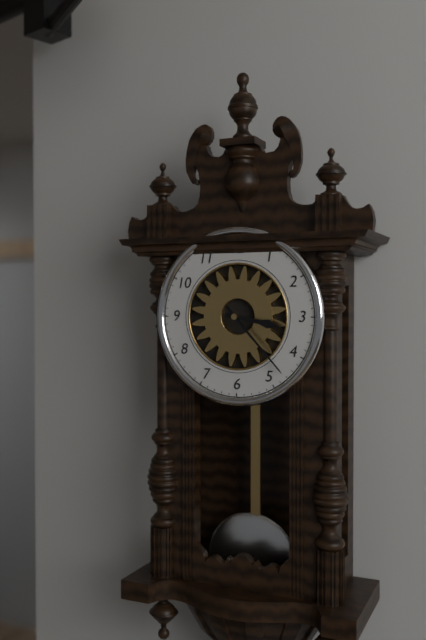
{"hour": 3, "minute": 23}
